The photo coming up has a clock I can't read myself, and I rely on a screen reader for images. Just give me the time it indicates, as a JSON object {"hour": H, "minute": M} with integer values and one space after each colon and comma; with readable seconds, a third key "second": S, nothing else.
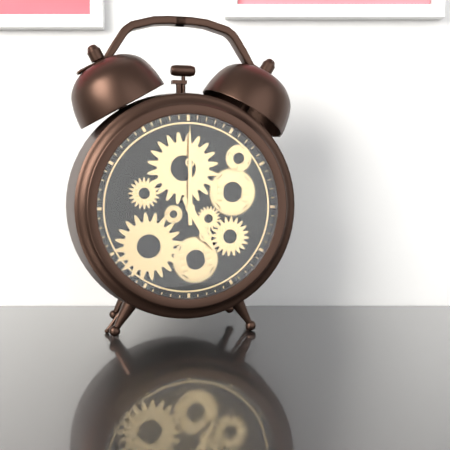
{"hour": 5, "minute": 0}
